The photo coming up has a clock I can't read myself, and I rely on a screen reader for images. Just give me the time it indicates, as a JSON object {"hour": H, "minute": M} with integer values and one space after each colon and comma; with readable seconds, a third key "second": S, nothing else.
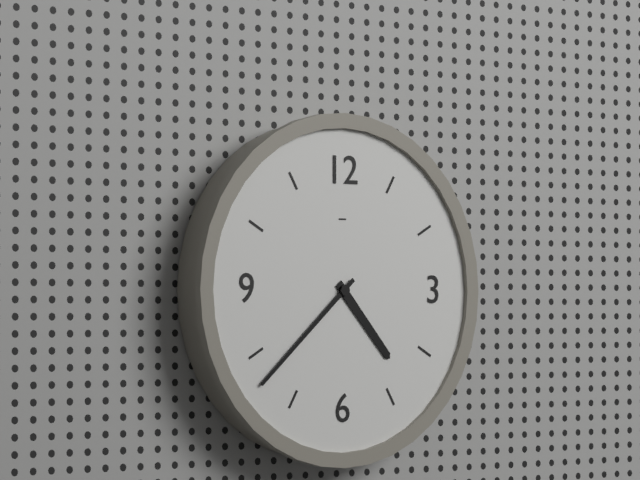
{"hour": 4, "minute": 38}
